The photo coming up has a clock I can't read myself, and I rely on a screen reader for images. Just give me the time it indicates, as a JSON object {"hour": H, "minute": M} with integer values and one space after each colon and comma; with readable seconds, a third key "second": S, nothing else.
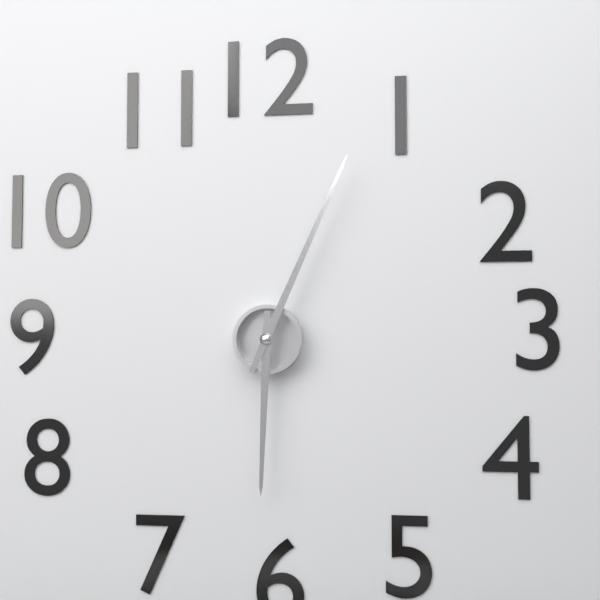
{"hour": 6, "minute": 4}
